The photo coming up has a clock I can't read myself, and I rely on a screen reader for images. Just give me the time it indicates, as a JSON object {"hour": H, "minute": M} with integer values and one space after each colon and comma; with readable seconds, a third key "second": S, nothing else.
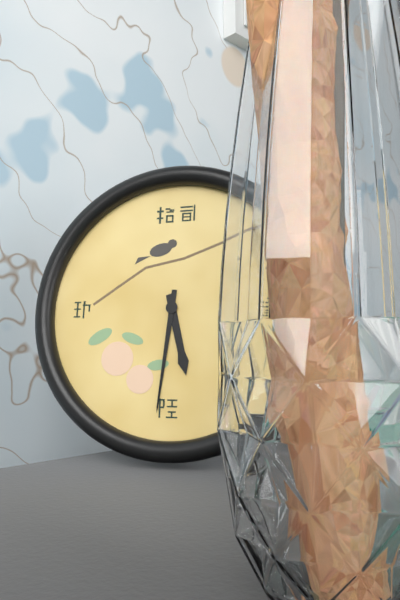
{"hour": 5, "minute": 31}
